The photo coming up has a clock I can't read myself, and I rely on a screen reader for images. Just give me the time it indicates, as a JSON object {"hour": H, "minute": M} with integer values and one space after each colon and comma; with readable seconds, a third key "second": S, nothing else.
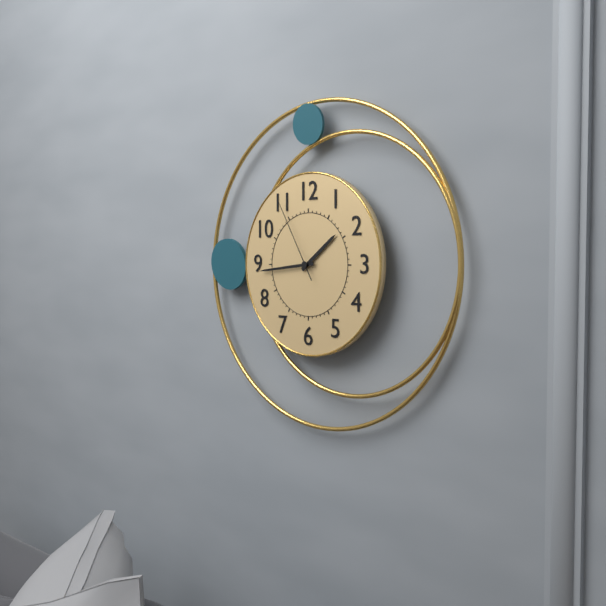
{"hour": 1, "minute": 44, "second": 55}
